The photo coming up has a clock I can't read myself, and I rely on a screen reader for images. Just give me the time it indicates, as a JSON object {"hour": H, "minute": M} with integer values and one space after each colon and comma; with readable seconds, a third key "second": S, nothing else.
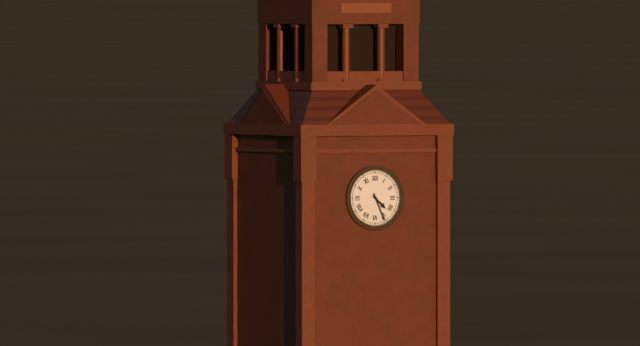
{"hour": 4, "minute": 26}
